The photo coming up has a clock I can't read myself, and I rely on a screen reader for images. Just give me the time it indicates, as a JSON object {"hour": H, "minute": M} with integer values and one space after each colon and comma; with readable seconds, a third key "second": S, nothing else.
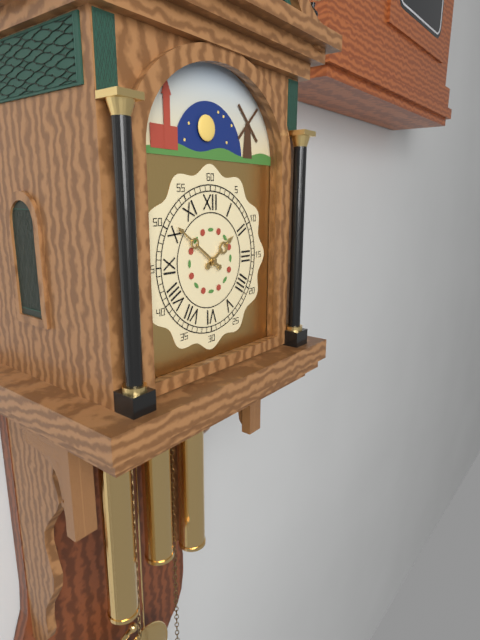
{"hour": 1, "minute": 51}
